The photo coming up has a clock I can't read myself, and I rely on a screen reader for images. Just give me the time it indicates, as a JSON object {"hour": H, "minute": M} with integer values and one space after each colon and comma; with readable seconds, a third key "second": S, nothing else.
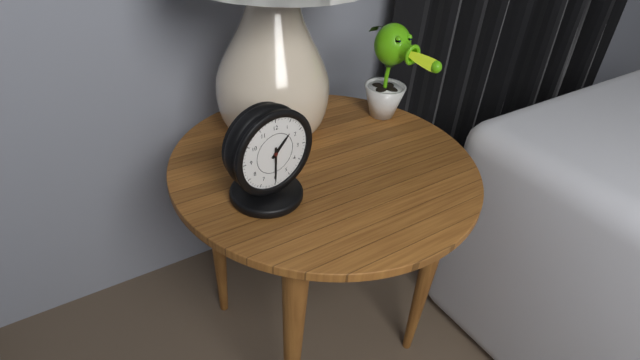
{"hour": 1, "minute": 30}
